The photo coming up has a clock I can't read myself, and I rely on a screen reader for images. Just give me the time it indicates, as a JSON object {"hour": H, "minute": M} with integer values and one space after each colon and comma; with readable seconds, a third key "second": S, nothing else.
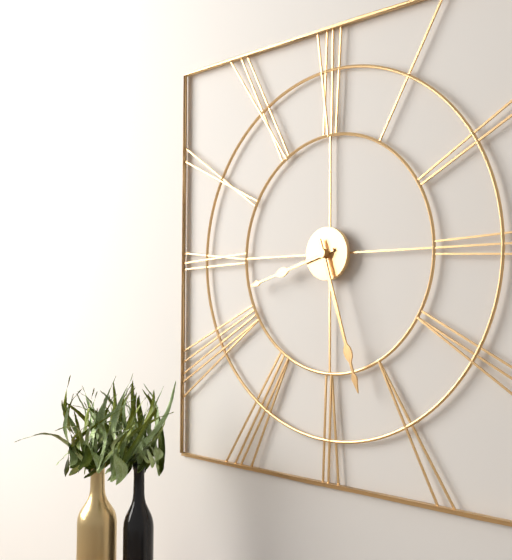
{"hour": 8, "minute": 27}
